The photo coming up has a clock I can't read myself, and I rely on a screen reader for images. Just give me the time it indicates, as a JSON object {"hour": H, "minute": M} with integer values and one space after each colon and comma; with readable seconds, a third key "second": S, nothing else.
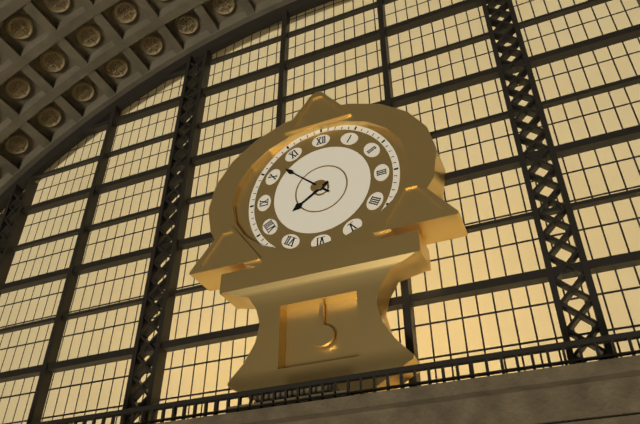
{"hour": 7, "minute": 52}
